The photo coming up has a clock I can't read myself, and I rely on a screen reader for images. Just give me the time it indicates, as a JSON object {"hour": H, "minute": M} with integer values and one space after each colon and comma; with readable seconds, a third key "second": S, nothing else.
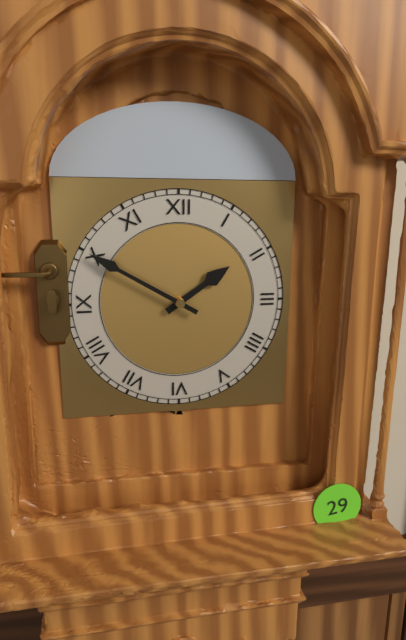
{"hour": 1, "minute": 50}
